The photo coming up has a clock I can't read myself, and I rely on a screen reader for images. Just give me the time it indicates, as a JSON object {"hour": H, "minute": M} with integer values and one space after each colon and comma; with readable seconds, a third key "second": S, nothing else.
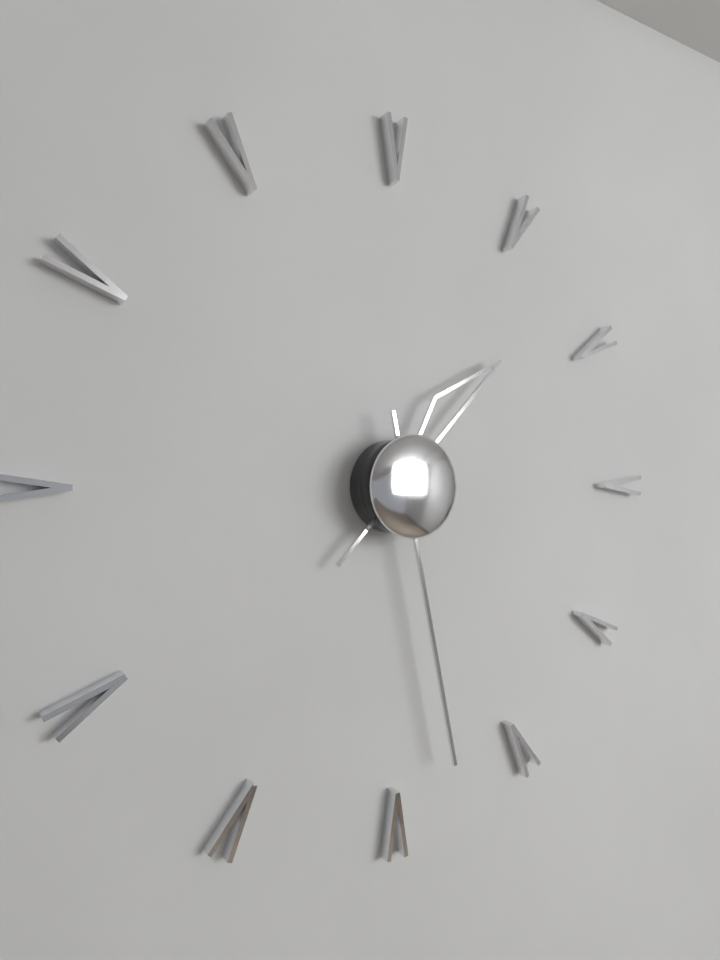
{"hour": 1, "minute": 28}
